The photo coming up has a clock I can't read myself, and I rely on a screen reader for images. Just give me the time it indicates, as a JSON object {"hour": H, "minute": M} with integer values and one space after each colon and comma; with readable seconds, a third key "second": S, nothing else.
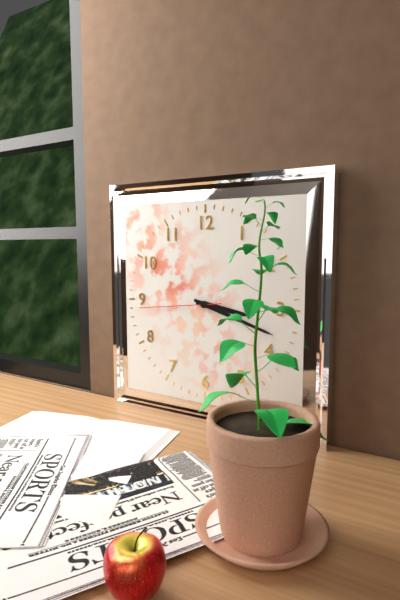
{"hour": 3, "minute": 18, "second": 44}
